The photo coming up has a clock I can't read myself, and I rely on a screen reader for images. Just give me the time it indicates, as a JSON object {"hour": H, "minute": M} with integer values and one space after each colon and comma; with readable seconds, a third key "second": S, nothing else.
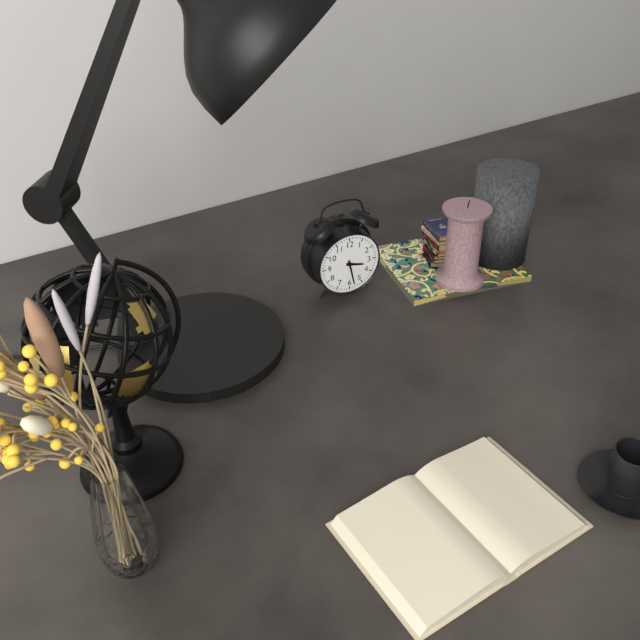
{"hour": 3, "minute": 28}
